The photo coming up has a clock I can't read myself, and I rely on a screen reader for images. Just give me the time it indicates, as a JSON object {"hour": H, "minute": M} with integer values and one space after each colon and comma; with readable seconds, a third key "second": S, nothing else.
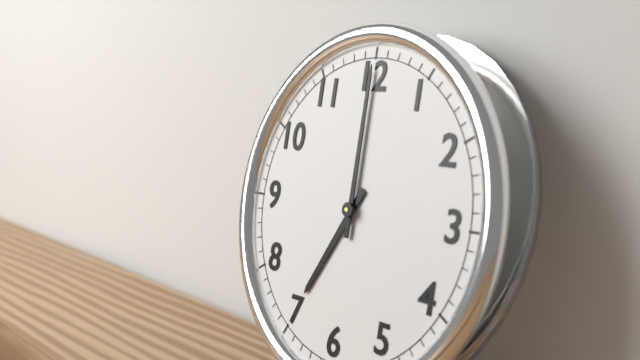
{"hour": 7, "minute": 0}
